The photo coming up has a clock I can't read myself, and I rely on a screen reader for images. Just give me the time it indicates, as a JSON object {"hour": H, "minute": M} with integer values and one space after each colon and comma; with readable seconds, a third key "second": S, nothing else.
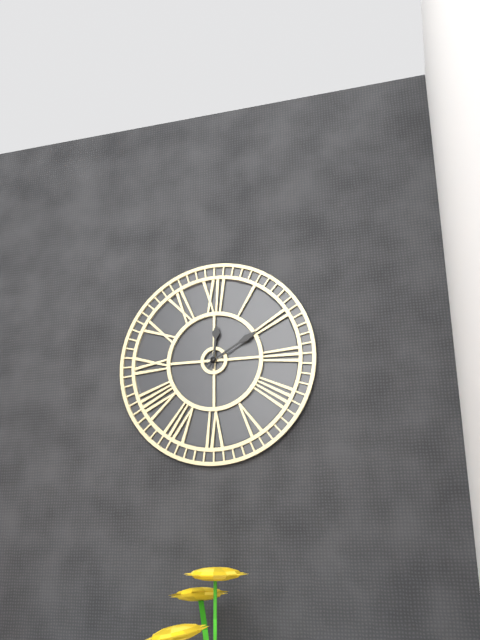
{"hour": 12, "minute": 10}
